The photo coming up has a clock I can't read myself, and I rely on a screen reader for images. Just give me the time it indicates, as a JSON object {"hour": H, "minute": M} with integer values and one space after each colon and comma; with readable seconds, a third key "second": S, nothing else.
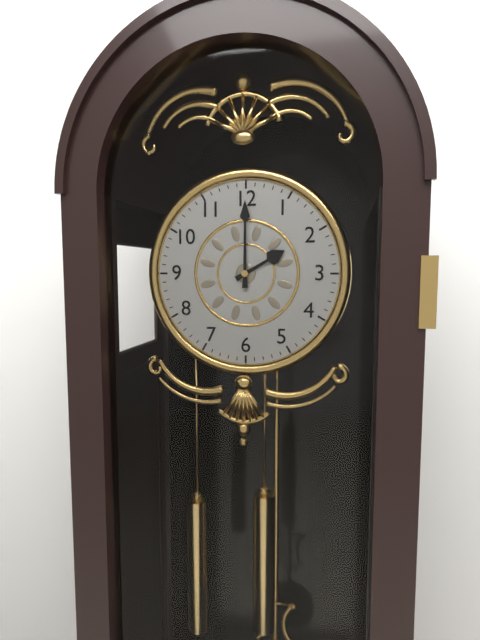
{"hour": 2, "minute": 0}
